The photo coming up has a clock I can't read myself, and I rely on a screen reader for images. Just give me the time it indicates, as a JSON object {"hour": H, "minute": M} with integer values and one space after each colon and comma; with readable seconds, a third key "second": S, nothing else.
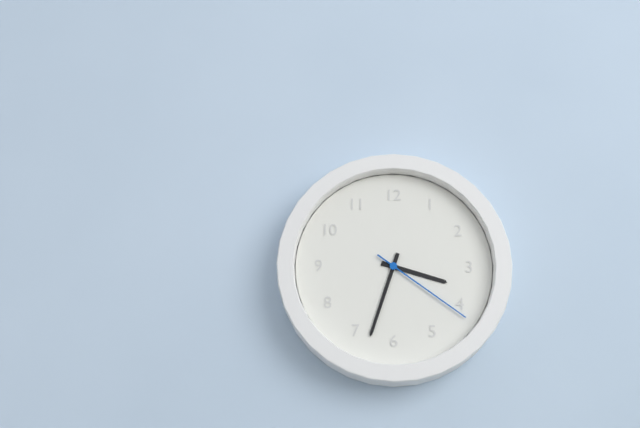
{"hour": 3, "minute": 33, "second": 21}
